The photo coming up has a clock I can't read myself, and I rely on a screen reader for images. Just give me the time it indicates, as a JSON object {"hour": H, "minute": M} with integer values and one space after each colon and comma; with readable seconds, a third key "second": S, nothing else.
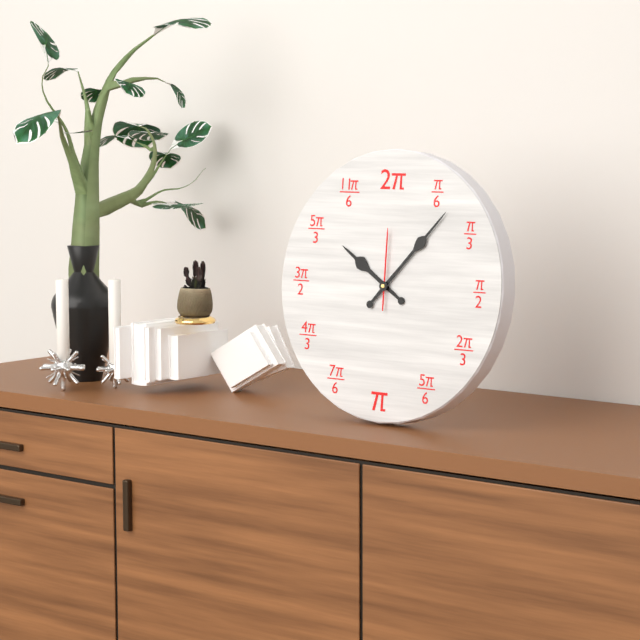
{"hour": 10, "minute": 7, "second": 0}
